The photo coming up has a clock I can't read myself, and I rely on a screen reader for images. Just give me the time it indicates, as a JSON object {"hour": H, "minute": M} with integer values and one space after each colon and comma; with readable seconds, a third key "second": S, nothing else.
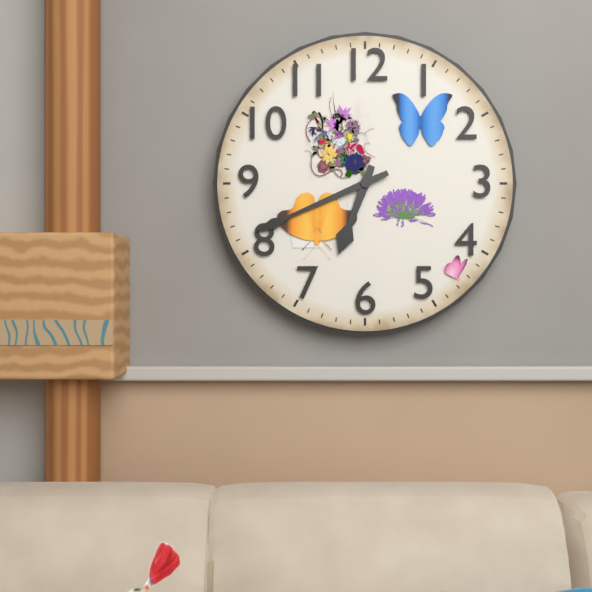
{"hour": 6, "minute": 41}
